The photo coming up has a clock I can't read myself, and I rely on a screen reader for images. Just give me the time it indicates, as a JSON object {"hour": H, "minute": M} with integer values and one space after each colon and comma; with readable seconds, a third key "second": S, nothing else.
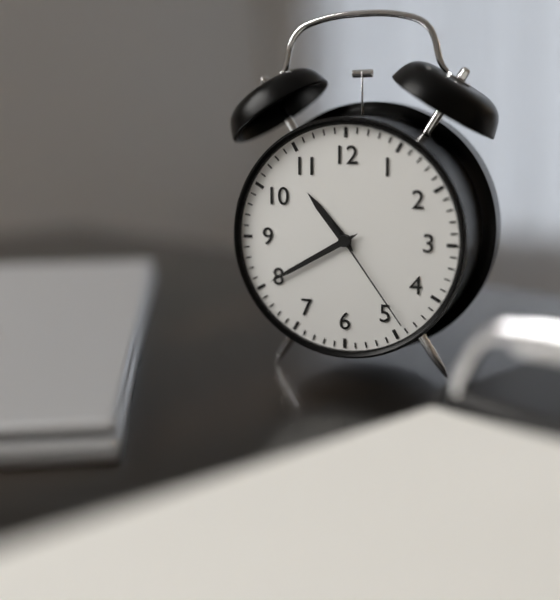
{"hour": 10, "minute": 40, "second": 24}
